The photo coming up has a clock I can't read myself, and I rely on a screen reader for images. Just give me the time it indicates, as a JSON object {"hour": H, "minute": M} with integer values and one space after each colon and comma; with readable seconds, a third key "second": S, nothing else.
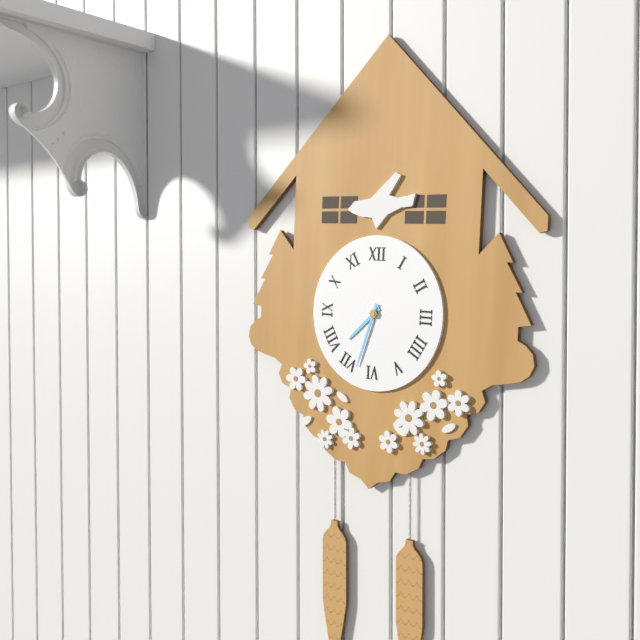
{"hour": 7, "minute": 33}
